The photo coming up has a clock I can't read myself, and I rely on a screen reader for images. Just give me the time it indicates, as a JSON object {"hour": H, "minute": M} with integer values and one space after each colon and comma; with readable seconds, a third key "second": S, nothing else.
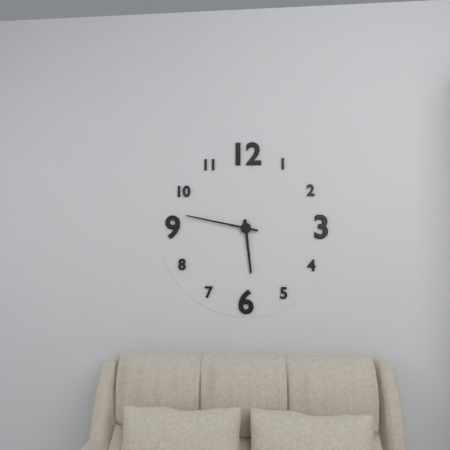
{"hour": 5, "minute": 47}
